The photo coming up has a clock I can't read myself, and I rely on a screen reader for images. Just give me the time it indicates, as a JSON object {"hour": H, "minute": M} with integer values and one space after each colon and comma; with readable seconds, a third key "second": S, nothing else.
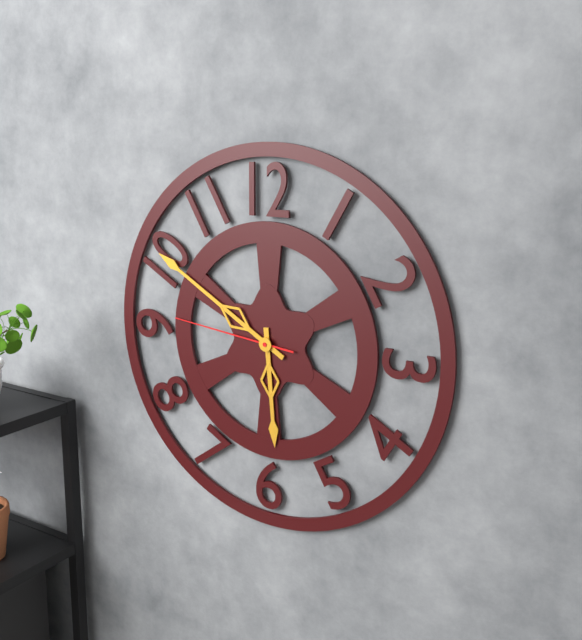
{"hour": 5, "minute": 50, "second": 46}
